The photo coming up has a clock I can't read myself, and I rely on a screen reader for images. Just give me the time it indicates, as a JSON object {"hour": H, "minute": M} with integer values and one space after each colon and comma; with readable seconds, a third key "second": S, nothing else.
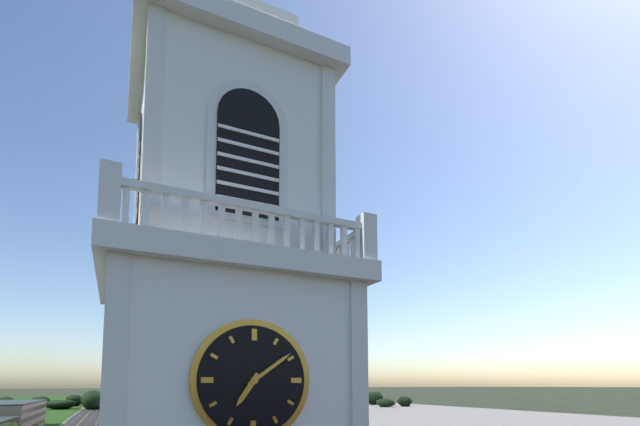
{"hour": 7, "minute": 9}
